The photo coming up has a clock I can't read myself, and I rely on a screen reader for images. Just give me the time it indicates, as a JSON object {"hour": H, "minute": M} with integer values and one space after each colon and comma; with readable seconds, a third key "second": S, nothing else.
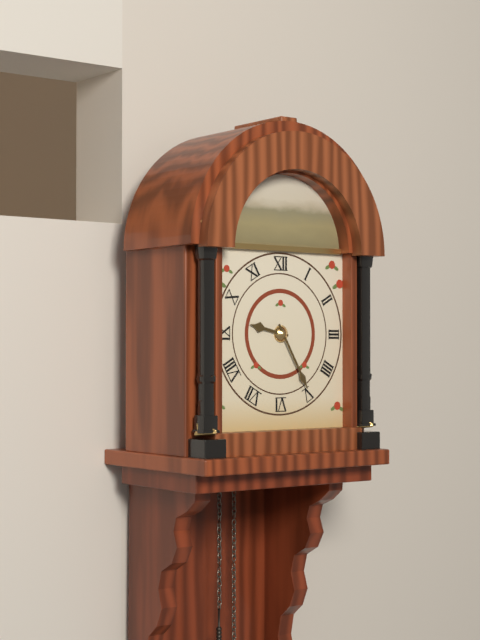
{"hour": 9, "minute": 25}
